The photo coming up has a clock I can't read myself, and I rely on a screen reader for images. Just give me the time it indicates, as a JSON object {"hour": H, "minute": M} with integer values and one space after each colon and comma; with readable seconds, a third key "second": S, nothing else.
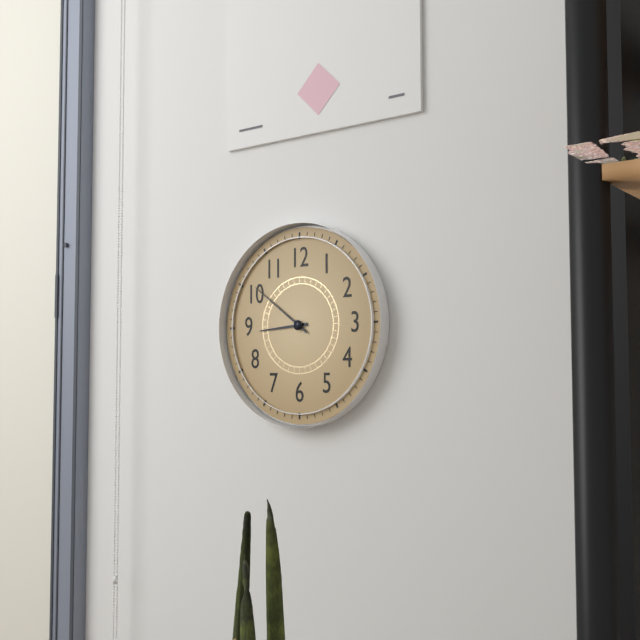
{"hour": 8, "minute": 51}
